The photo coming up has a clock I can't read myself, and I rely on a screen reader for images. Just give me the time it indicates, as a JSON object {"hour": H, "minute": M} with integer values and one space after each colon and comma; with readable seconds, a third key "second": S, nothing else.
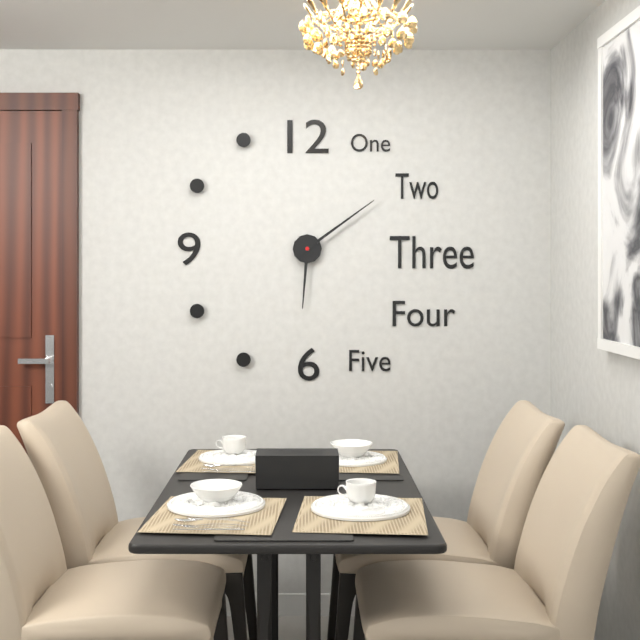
{"hour": 6, "minute": 9}
